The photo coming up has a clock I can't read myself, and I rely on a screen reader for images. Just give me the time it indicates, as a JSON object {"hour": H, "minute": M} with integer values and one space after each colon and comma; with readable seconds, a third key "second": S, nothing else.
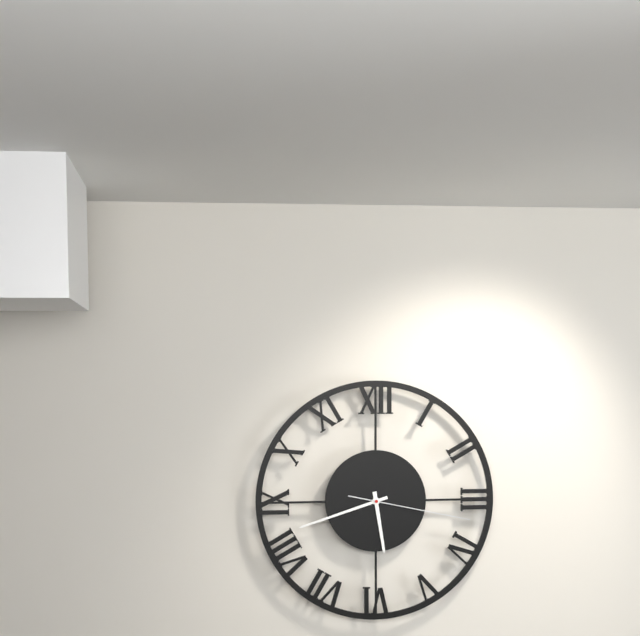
{"hour": 5, "minute": 42, "second": 17}
